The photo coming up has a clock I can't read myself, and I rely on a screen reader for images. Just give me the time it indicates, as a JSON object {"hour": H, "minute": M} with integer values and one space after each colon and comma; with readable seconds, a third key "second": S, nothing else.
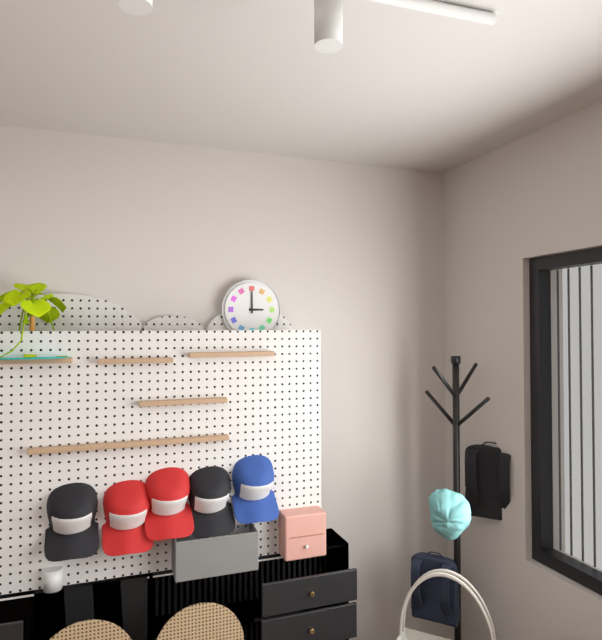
{"hour": 3, "minute": 0}
